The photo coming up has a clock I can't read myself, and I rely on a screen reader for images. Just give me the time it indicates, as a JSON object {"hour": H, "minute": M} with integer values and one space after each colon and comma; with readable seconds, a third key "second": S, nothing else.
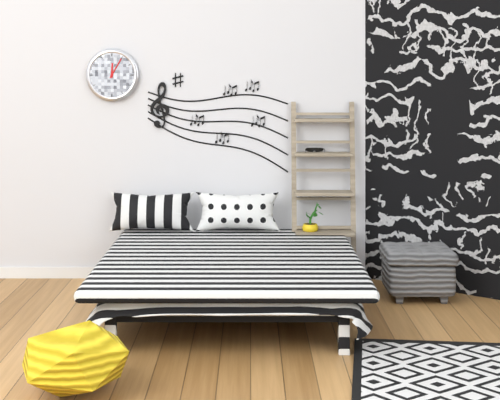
{"hour": 12, "minute": 5}
